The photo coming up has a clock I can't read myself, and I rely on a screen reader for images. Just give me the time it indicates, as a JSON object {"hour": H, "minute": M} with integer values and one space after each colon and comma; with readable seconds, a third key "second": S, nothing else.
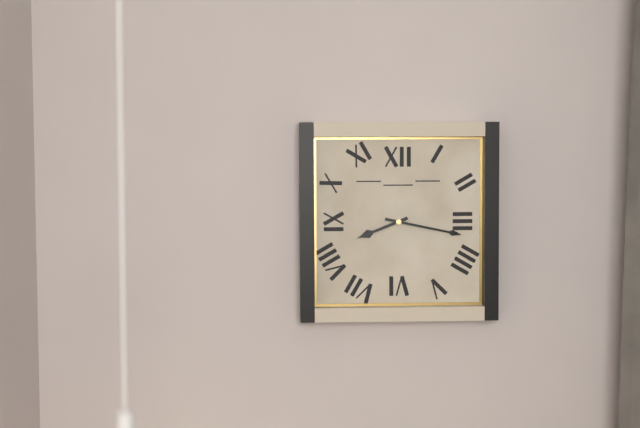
{"hour": 8, "minute": 17}
